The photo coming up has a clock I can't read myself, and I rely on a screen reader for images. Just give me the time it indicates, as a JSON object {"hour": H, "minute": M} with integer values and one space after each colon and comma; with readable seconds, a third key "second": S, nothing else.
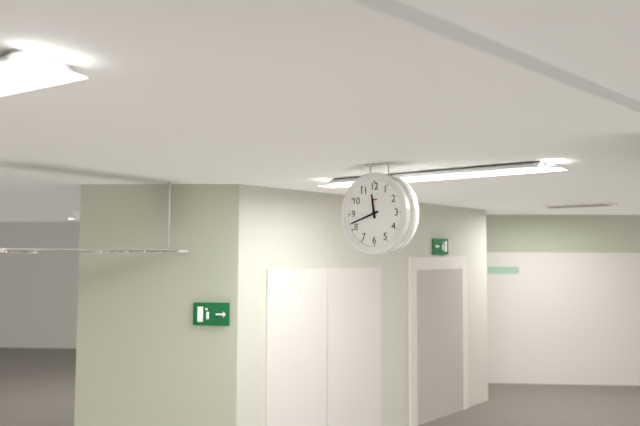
{"hour": 11, "minute": 42}
